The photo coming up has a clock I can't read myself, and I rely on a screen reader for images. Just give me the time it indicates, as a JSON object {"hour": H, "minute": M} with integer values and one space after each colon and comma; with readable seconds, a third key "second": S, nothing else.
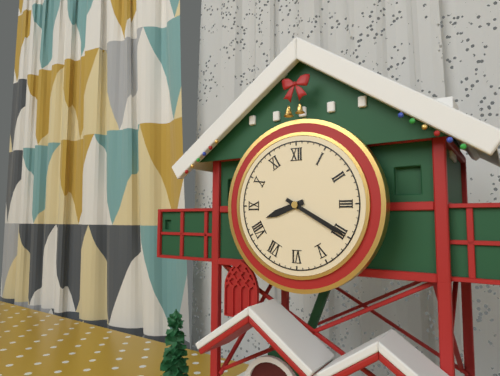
{"hour": 8, "minute": 20}
